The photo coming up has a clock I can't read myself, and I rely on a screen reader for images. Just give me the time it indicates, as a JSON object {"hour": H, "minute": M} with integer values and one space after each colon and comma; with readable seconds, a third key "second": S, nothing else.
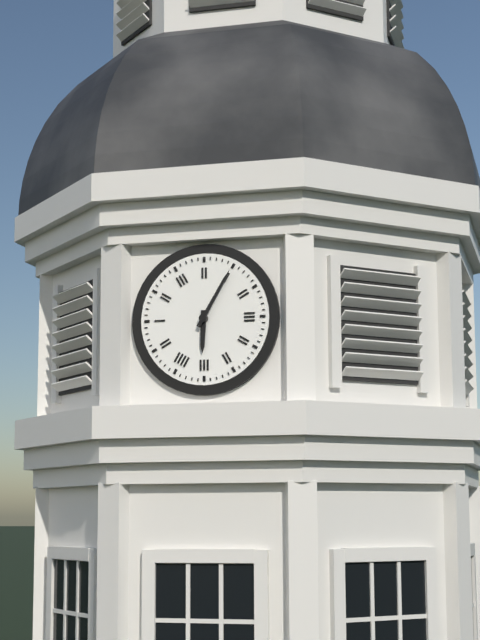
{"hour": 6, "minute": 5}
